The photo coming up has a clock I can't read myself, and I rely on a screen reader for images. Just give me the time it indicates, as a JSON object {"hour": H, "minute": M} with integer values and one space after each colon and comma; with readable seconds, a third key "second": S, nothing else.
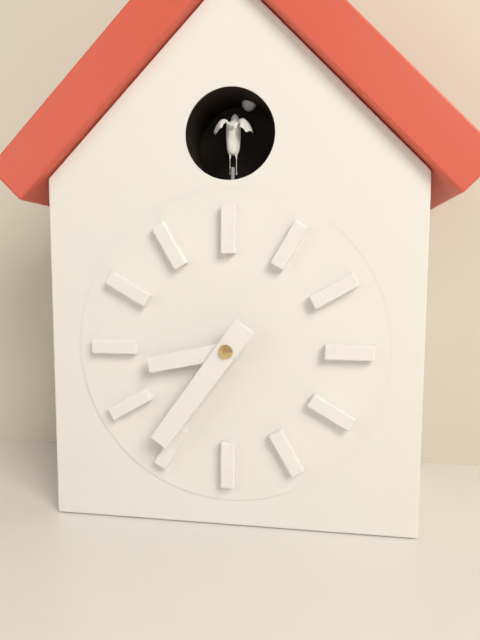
{"hour": 8, "minute": 36}
